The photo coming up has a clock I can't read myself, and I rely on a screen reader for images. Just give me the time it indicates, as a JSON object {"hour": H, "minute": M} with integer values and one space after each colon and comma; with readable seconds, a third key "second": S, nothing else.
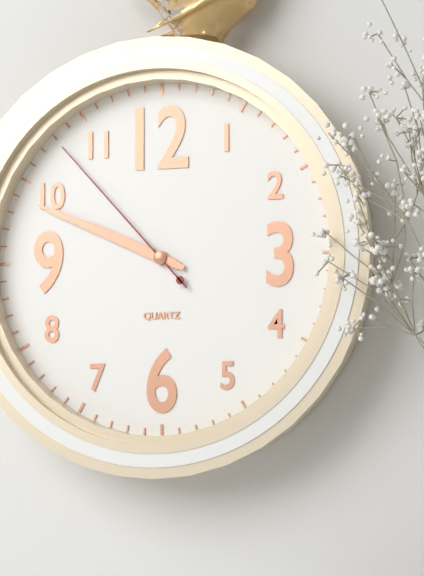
{"hour": 9, "minute": 49, "second": 53}
